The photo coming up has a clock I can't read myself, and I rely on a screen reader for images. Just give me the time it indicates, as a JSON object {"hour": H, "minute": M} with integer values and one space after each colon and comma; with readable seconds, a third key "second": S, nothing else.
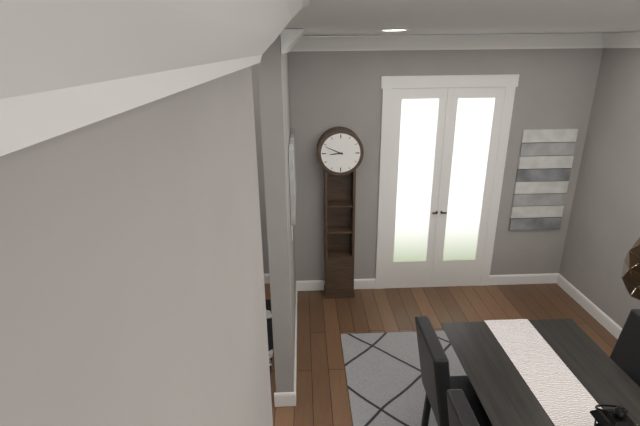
{"hour": 8, "minute": 49}
